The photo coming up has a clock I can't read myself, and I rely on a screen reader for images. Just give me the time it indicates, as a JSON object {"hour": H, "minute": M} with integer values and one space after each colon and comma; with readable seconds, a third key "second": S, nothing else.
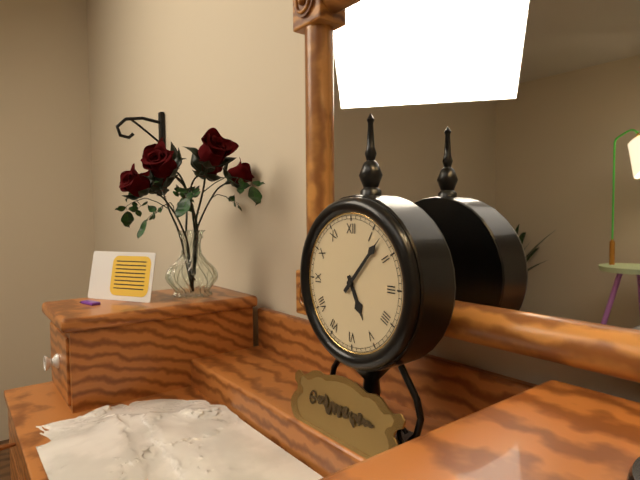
{"hour": 5, "minute": 7}
